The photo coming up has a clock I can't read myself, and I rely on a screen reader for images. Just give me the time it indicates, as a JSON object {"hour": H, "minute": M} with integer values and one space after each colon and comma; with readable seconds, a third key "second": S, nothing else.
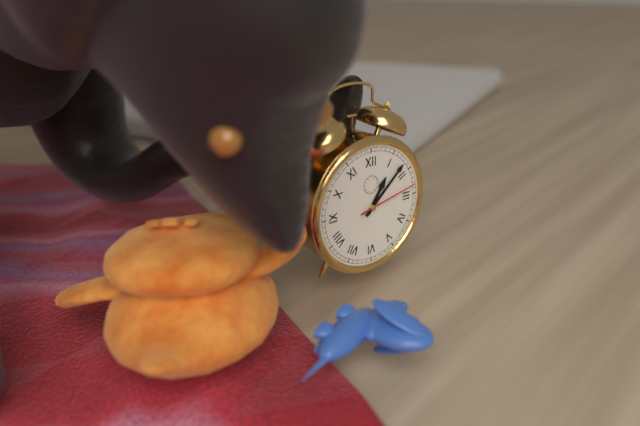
{"hour": 1, "minute": 8, "second": 13}
